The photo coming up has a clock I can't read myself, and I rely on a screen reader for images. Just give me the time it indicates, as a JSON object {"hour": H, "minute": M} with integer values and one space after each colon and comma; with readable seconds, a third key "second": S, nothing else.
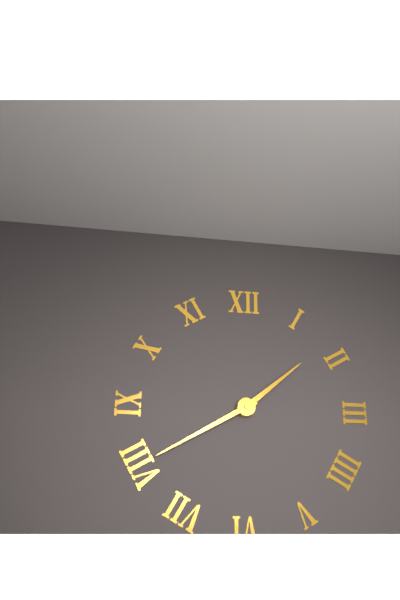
{"hour": 1, "minute": 40}
